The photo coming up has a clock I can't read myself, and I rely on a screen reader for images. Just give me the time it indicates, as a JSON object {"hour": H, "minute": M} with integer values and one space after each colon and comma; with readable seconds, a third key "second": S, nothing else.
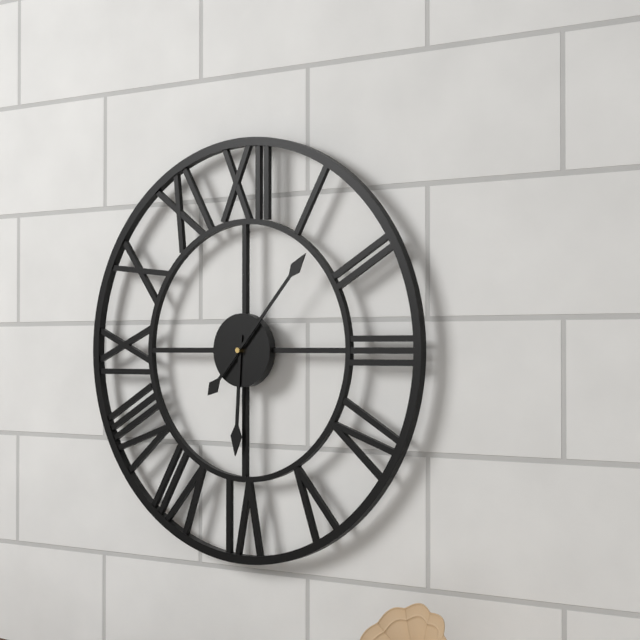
{"hour": 6, "minute": 7}
